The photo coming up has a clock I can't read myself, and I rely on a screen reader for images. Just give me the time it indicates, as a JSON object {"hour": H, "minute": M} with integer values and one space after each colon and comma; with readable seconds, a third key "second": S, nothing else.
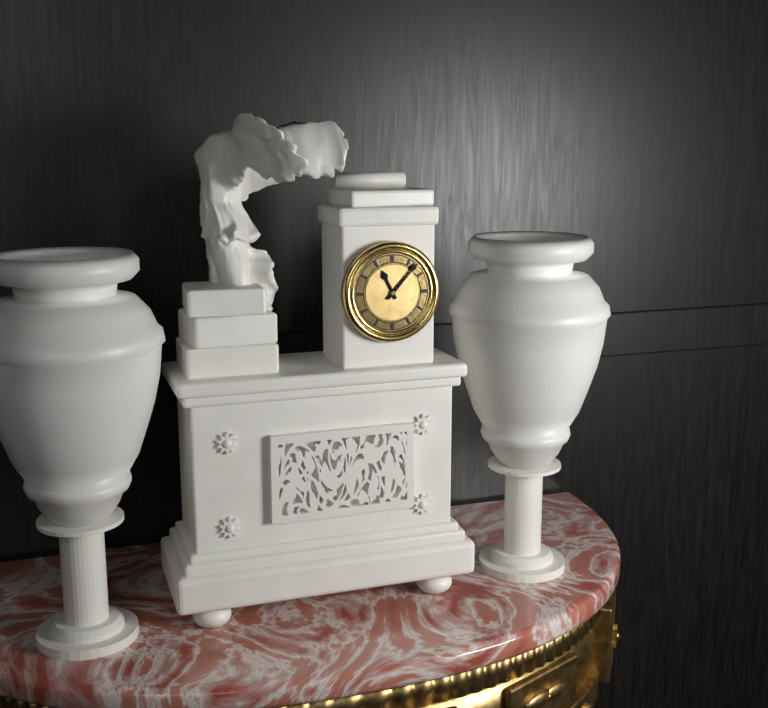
{"hour": 11, "minute": 7}
